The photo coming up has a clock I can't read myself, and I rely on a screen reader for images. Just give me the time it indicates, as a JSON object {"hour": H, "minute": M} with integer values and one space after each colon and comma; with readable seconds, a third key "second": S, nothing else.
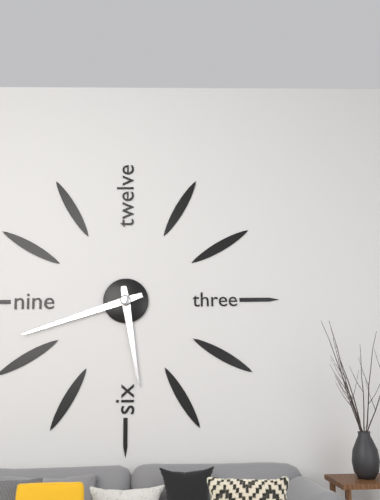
{"hour": 5, "minute": 42}
